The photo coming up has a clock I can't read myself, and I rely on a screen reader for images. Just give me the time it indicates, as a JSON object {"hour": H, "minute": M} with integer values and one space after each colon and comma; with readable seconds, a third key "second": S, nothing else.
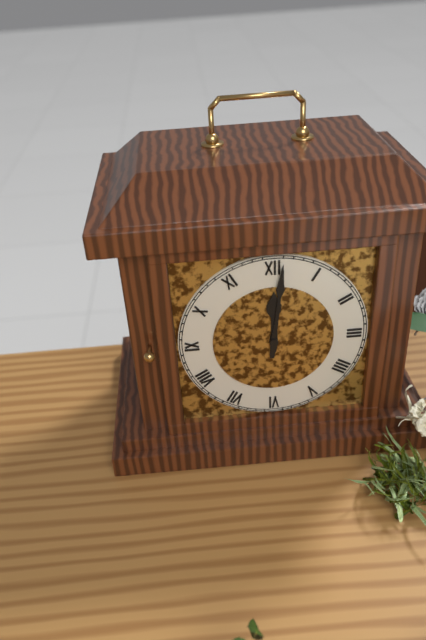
{"hour": 12, "minute": 1}
